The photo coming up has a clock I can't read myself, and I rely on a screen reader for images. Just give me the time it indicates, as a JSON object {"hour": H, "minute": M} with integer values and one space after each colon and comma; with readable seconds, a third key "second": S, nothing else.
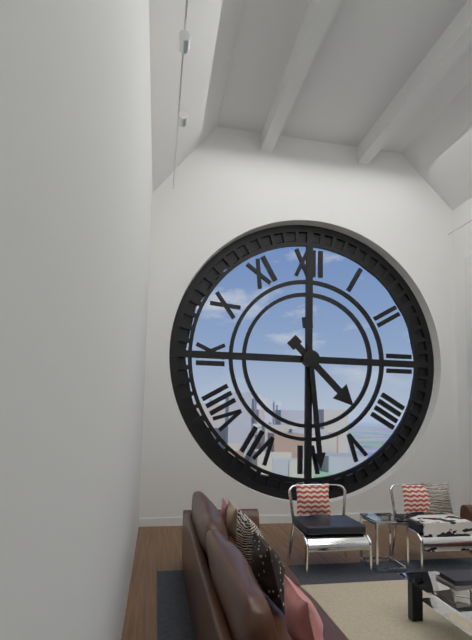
{"hour": 4, "minute": 29}
